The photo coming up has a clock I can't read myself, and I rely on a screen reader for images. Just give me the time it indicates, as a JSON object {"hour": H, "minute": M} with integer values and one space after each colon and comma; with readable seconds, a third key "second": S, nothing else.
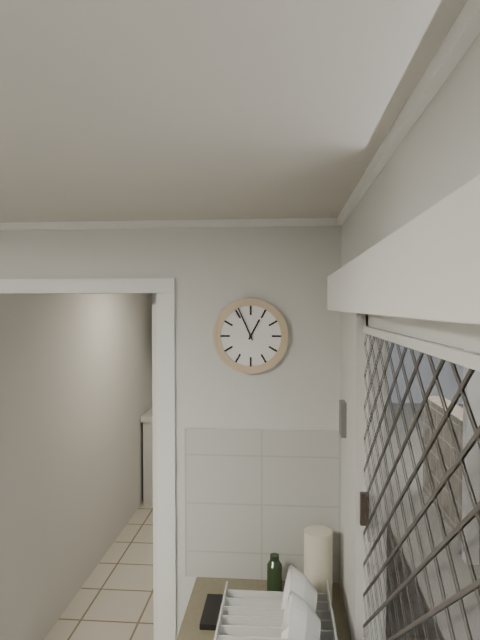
{"hour": 12, "minute": 56}
